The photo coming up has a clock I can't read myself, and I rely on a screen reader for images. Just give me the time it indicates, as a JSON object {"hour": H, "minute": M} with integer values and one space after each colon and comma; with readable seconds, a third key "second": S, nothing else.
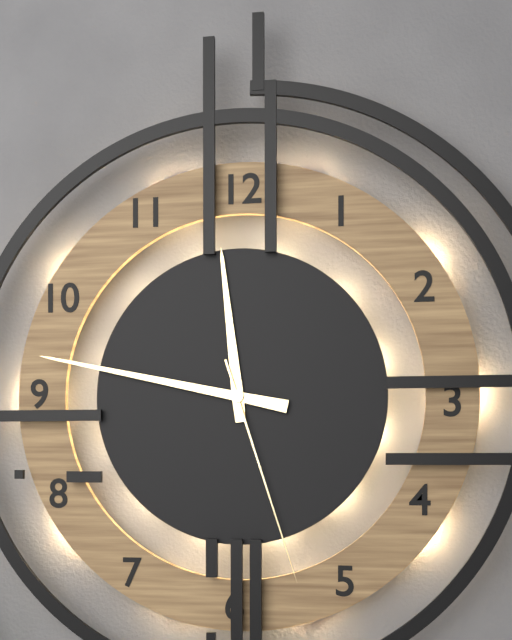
{"hour": 11, "minute": 47, "second": 27}
